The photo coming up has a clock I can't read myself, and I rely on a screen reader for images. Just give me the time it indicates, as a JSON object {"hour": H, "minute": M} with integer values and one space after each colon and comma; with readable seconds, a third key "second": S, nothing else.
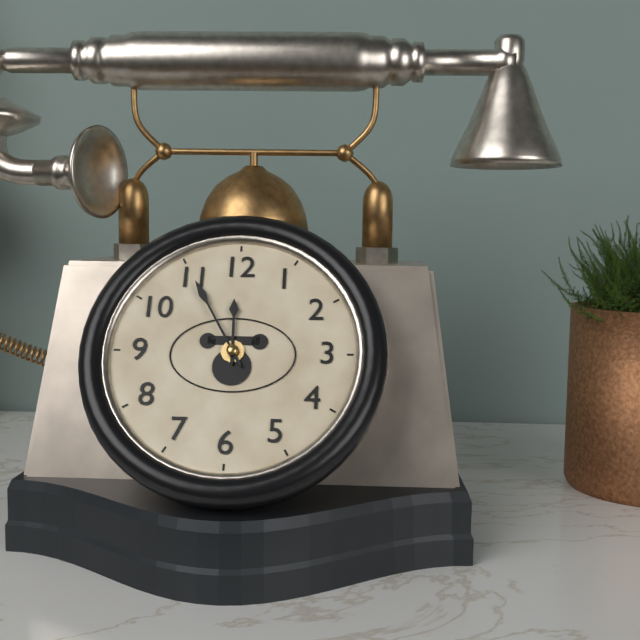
{"hour": 11, "minute": 55}
